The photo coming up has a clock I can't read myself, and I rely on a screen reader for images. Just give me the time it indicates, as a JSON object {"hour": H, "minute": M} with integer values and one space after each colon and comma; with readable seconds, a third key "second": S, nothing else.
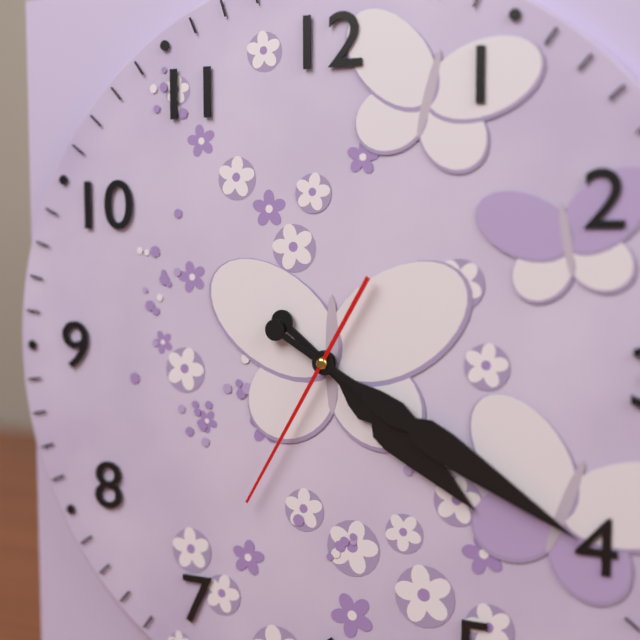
{"hour": 4, "minute": 20, "second": 35}
